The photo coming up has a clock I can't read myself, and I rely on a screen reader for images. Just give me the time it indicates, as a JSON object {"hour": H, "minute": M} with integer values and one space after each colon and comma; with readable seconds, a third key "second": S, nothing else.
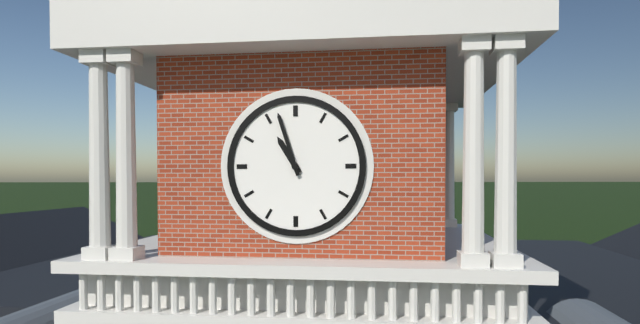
{"hour": 10, "minute": 57}
